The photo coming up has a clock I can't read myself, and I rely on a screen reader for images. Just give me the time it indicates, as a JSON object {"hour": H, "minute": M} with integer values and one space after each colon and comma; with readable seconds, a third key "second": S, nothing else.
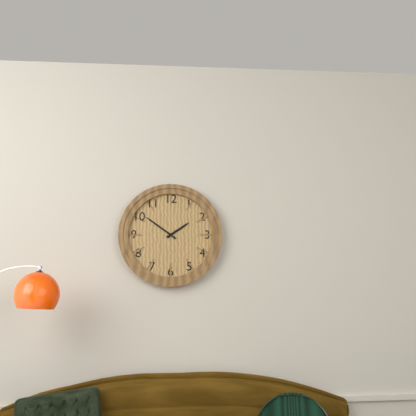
{"hour": 1, "minute": 51}
